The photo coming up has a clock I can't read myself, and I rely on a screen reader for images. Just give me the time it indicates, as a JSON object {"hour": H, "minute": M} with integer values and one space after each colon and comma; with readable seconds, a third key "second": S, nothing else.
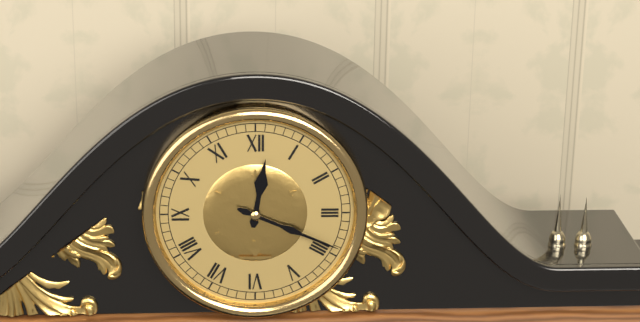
{"hour": 12, "minute": 19}
